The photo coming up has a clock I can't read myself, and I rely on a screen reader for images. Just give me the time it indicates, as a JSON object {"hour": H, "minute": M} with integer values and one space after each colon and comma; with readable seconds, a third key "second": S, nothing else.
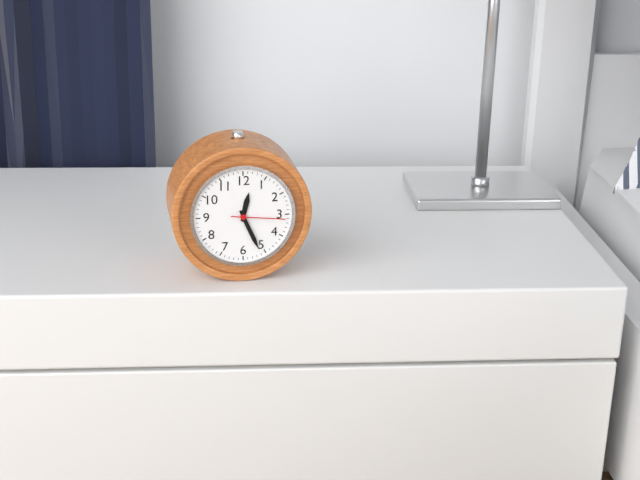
{"hour": 12, "minute": 26, "second": 16}
